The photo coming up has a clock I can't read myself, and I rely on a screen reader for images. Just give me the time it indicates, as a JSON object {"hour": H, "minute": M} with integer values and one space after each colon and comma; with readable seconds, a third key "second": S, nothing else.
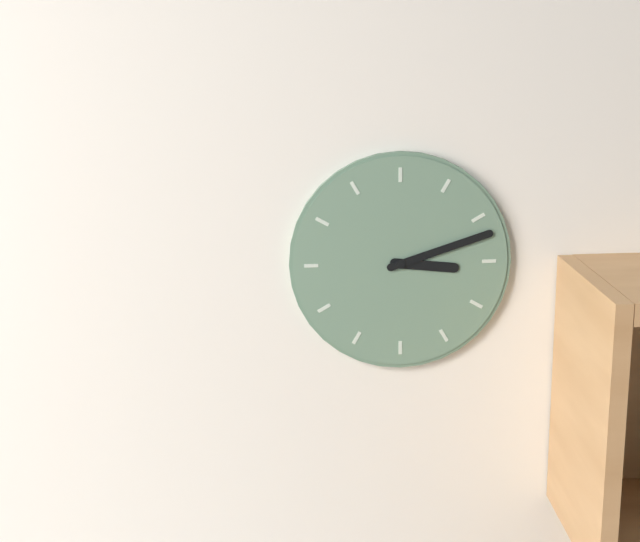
{"hour": 3, "minute": 12}
